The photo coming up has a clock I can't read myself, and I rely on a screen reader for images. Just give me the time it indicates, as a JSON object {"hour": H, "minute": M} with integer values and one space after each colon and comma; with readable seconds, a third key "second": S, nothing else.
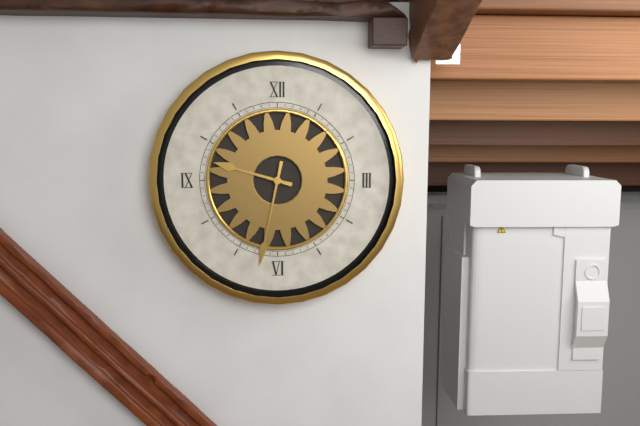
{"hour": 9, "minute": 32}
